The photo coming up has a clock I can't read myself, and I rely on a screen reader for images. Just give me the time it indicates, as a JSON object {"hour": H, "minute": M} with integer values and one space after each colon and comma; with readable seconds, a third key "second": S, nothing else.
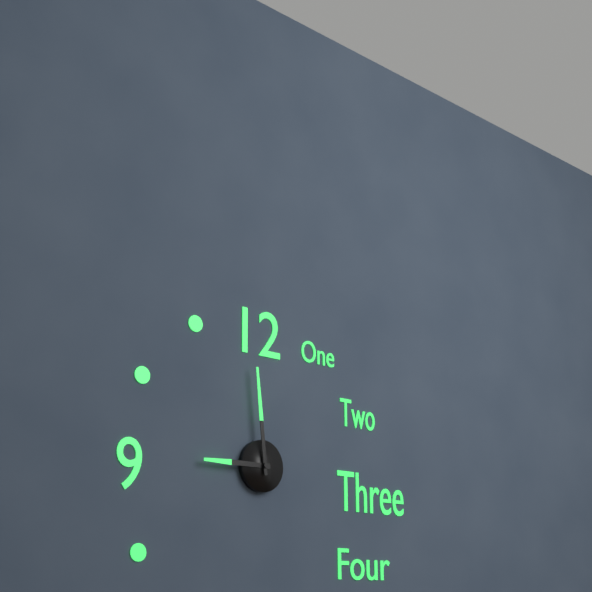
{"hour": 8, "minute": 59}
